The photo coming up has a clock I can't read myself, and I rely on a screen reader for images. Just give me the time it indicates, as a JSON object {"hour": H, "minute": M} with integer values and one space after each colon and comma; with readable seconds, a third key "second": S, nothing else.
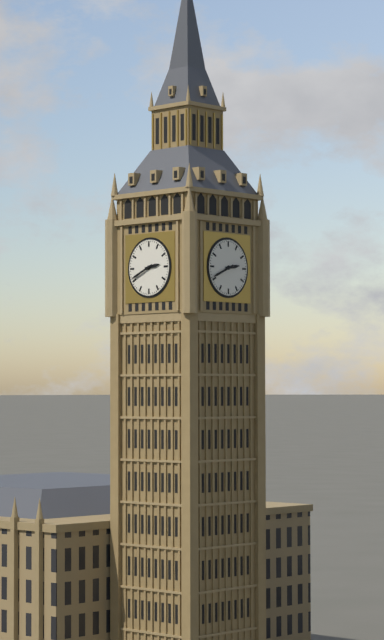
{"hour": 2, "minute": 41}
